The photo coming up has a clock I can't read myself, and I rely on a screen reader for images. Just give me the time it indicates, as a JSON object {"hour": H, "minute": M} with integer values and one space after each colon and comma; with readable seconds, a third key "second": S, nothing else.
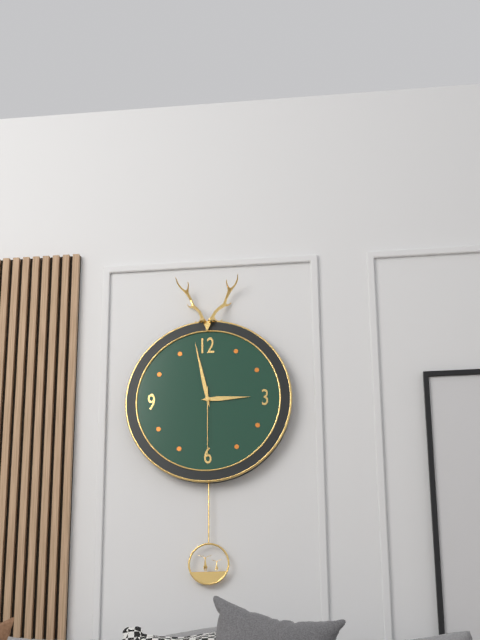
{"hour": 2, "minute": 58, "second": 30}
